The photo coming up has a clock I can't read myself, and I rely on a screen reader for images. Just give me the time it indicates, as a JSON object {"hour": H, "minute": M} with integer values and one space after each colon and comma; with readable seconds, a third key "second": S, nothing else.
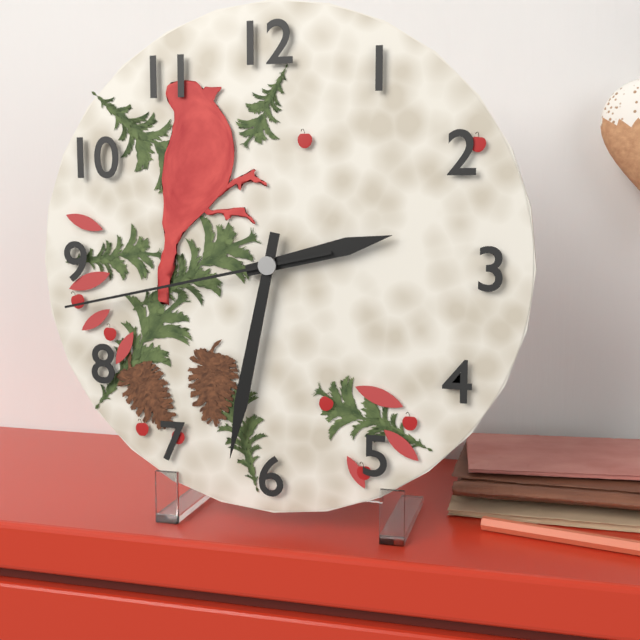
{"hour": 2, "minute": 32, "second": 43}
